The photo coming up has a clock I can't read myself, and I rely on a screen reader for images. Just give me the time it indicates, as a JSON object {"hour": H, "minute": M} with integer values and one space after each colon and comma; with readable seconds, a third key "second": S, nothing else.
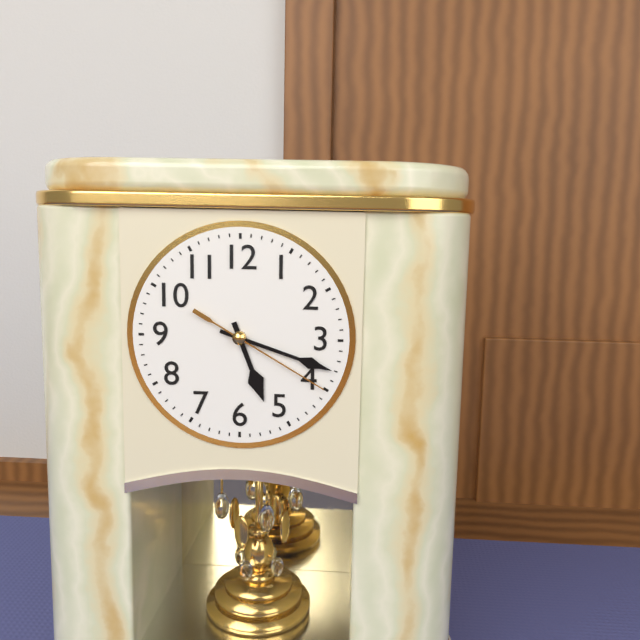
{"hour": 5, "minute": 18, "second": 20}
